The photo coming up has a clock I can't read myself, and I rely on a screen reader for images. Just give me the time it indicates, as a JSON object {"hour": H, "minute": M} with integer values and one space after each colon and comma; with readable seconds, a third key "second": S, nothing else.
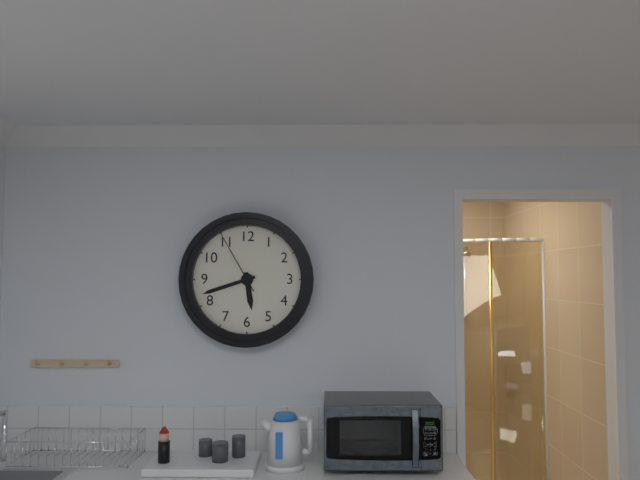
{"hour": 5, "minute": 42, "second": 55}
